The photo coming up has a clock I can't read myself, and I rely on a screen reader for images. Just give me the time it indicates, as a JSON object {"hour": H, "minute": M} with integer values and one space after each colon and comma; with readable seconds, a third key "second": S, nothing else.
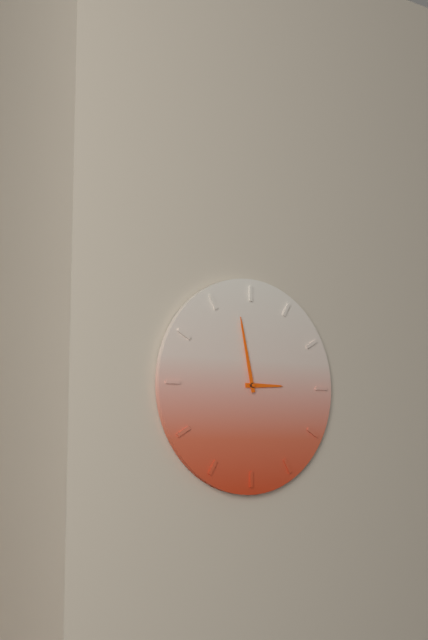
{"hour": 2, "minute": 58}
